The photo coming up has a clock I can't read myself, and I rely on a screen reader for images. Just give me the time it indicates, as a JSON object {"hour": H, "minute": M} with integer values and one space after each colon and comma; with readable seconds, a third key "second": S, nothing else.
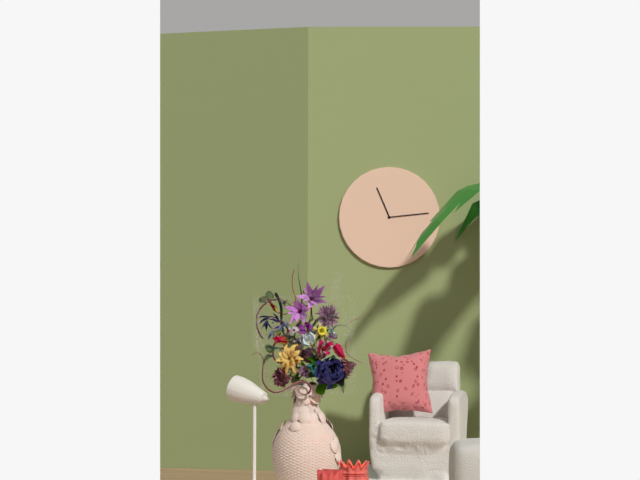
{"hour": 11, "minute": 14}
